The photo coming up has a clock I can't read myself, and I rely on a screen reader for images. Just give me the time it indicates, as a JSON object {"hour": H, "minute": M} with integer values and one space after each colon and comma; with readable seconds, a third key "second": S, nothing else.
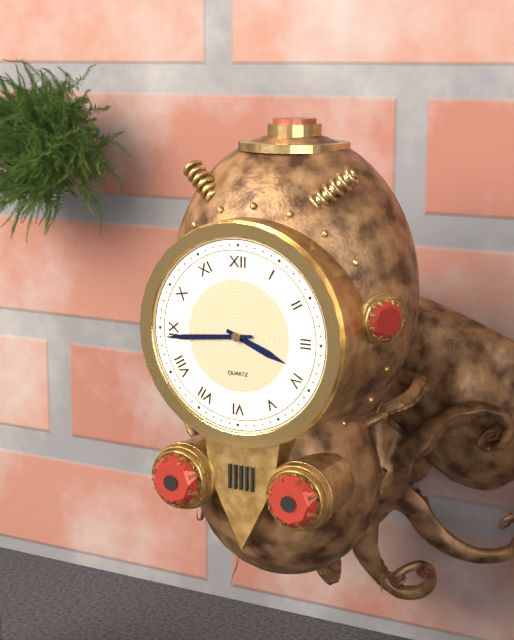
{"hour": 3, "minute": 44}
